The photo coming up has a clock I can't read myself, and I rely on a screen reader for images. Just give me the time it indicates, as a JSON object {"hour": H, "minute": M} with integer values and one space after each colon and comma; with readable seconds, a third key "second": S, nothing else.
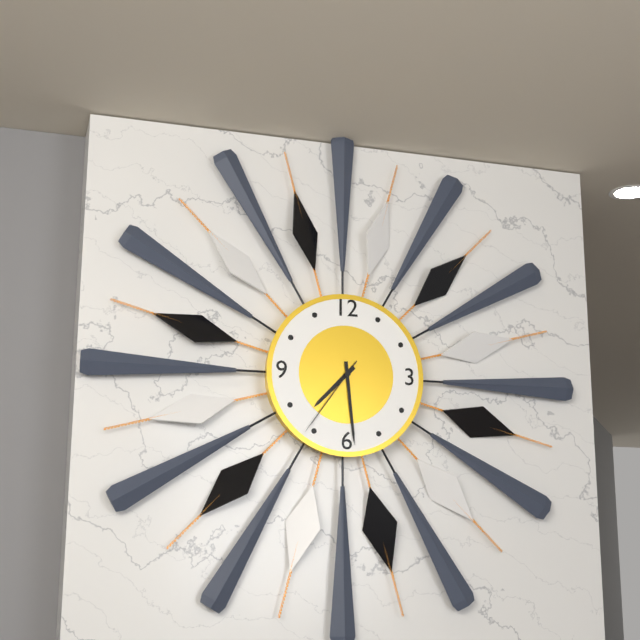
{"hour": 7, "minute": 29, "second": 36}
